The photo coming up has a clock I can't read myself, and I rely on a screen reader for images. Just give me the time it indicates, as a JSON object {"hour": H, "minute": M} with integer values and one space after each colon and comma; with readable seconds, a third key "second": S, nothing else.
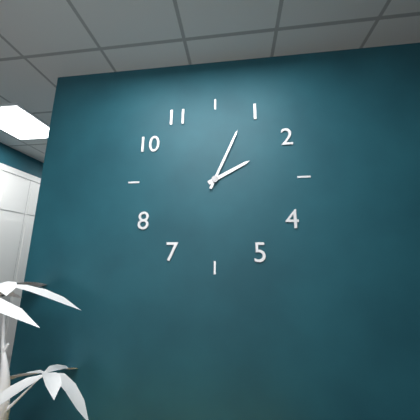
{"hour": 2, "minute": 4}
